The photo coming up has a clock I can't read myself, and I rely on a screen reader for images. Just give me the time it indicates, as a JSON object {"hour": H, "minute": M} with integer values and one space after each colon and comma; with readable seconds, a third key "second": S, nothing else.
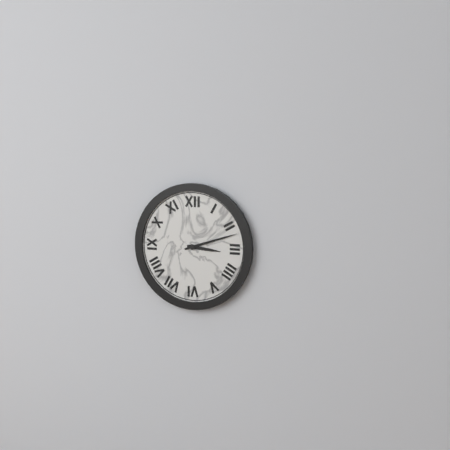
{"hour": 3, "minute": 12}
